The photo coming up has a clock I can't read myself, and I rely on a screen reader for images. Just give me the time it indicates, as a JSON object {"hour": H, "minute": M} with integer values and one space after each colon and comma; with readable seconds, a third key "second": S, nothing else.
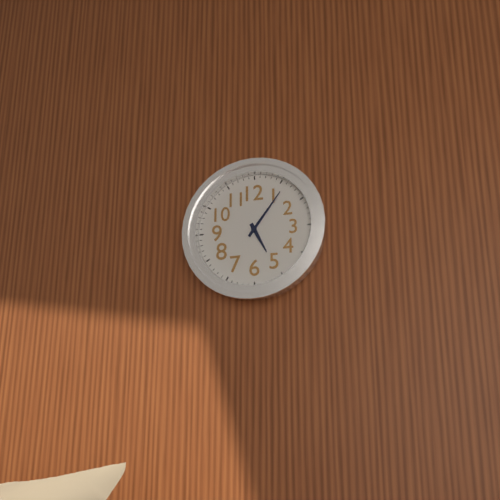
{"hour": 5, "minute": 6}
